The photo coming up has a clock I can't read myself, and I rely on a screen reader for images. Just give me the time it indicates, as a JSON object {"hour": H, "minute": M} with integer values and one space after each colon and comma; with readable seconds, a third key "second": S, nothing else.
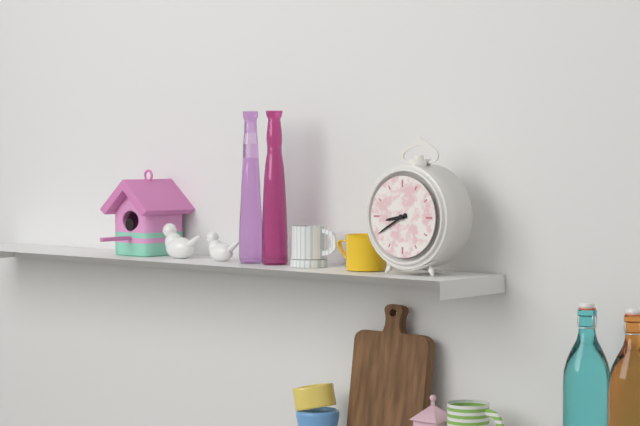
{"hour": 8, "minute": 40}
